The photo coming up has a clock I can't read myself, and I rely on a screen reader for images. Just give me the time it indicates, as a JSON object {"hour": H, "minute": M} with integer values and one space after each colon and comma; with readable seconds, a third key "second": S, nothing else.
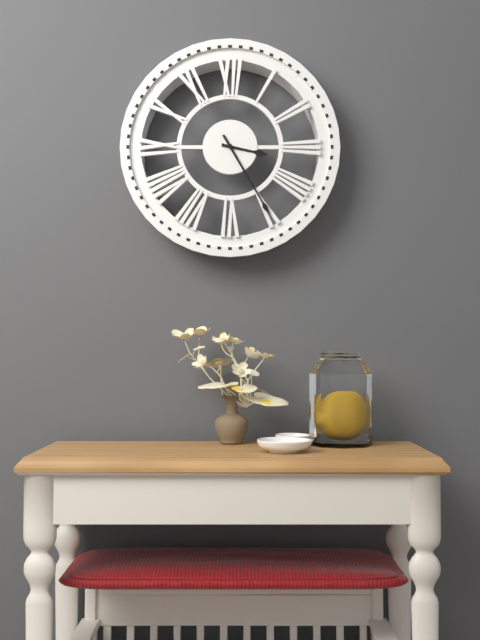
{"hour": 3, "minute": 25}
